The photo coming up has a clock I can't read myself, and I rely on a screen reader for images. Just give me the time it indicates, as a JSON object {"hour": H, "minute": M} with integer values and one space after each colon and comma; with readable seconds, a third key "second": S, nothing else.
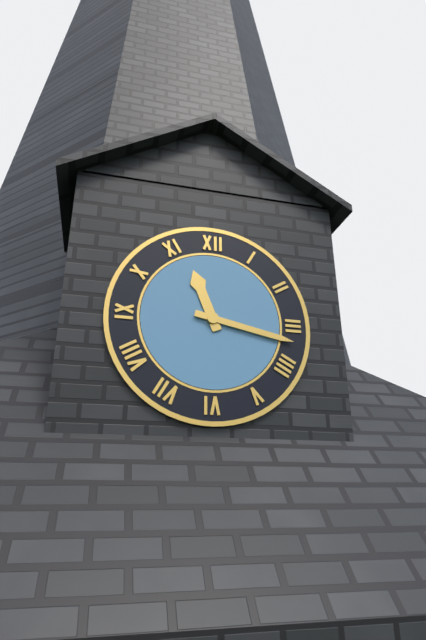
{"hour": 11, "minute": 17}
